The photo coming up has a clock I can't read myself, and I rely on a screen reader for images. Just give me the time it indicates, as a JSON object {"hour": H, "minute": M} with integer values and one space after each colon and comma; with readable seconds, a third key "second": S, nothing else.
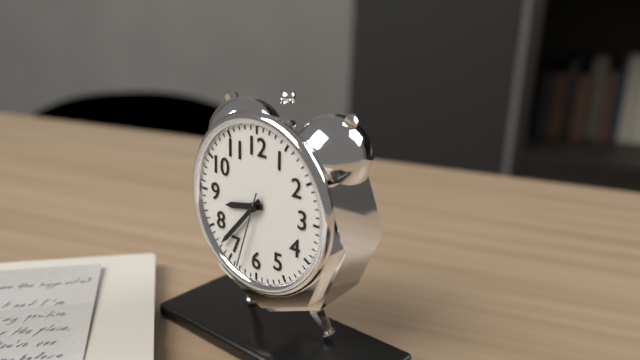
{"hour": 8, "minute": 37, "second": 33}
